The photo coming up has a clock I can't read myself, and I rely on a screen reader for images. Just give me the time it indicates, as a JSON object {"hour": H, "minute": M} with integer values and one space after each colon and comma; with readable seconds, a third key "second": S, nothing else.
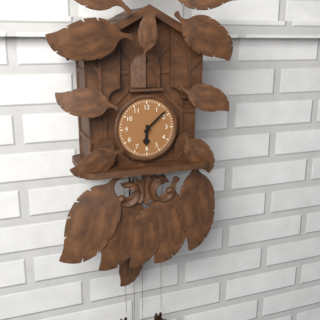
{"hour": 6, "minute": 8}
